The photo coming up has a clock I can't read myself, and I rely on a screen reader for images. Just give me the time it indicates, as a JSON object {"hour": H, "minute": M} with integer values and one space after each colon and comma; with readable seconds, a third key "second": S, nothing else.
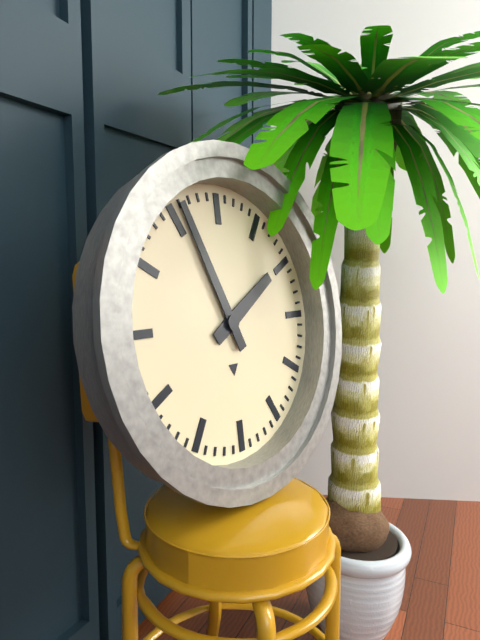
{"hour": 1, "minute": 56}
